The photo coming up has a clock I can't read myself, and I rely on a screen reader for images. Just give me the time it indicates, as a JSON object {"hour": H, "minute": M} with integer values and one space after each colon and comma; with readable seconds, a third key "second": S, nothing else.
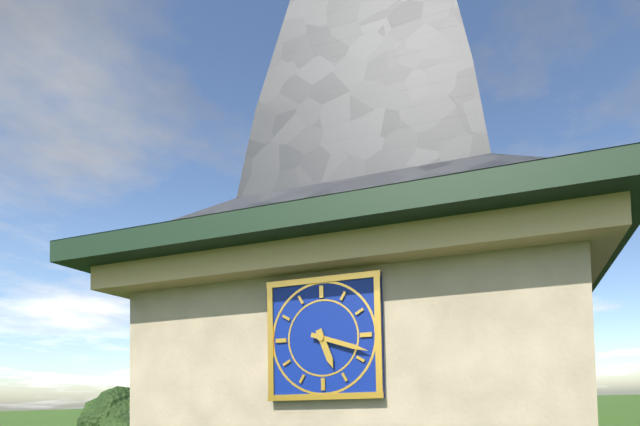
{"hour": 5, "minute": 18}
